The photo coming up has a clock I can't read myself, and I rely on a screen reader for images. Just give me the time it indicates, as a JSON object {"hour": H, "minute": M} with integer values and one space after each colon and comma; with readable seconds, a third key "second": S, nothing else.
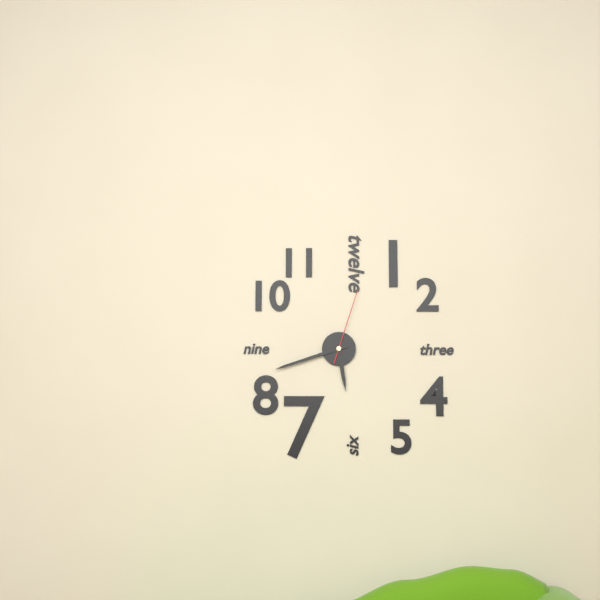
{"hour": 5, "minute": 42, "second": 3}
